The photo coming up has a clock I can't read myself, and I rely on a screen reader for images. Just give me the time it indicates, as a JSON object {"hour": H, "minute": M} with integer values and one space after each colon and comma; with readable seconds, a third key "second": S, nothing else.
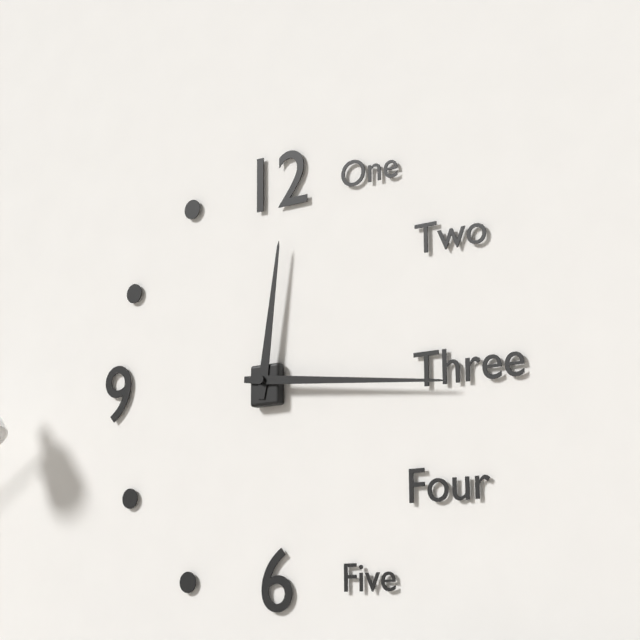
{"hour": 12, "minute": 16}
